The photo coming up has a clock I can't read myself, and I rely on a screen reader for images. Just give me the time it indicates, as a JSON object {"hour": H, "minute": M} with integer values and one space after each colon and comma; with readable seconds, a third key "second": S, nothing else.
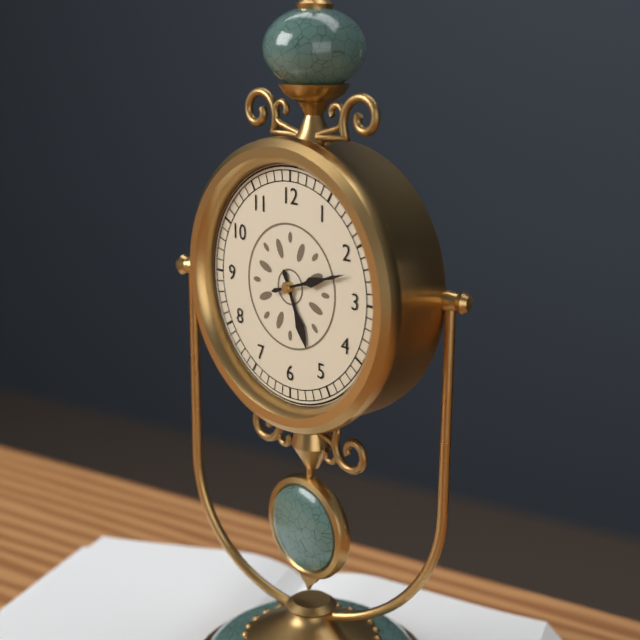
{"hour": 5, "minute": 12}
